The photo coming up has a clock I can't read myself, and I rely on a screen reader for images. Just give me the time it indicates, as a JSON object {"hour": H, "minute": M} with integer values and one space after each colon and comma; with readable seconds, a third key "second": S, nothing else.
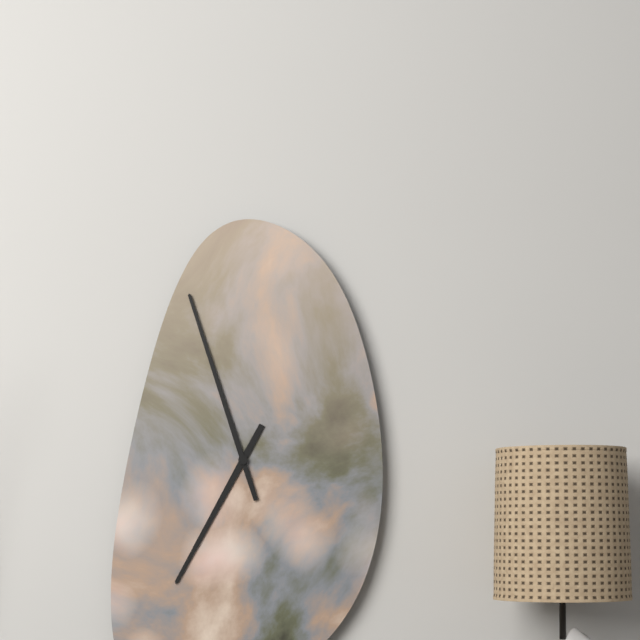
{"hour": 6, "minute": 57}
